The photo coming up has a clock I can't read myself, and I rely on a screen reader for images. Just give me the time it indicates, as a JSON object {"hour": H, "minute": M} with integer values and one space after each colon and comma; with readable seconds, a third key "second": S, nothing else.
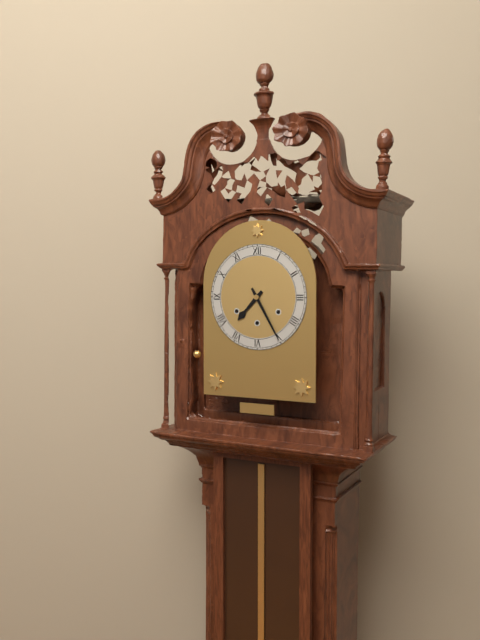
{"hour": 7, "minute": 25}
